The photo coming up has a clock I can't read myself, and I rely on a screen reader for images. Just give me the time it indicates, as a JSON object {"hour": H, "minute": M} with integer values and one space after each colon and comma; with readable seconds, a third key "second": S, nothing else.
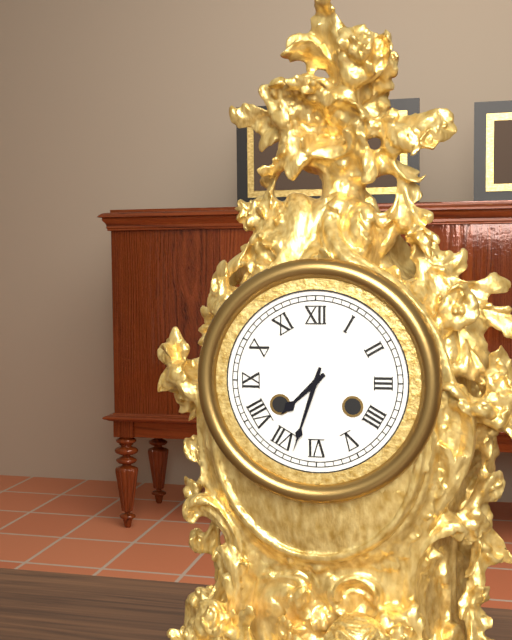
{"hour": 7, "minute": 33}
